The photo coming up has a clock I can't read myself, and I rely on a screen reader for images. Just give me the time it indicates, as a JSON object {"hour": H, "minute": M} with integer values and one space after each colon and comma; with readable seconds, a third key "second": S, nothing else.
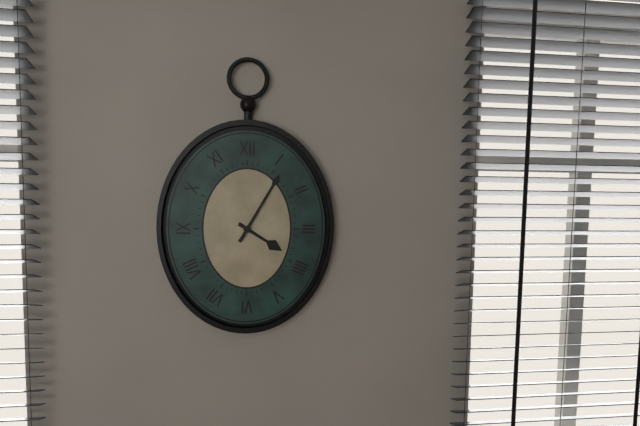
{"hour": 4, "minute": 5}
